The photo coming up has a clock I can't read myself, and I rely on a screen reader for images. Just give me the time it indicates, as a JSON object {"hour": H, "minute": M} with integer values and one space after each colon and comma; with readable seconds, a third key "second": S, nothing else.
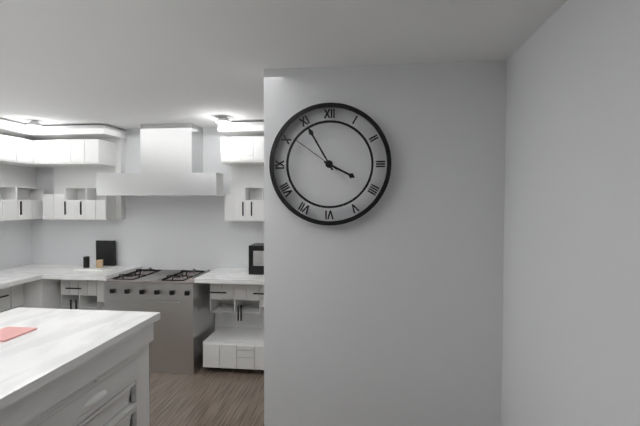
{"hour": 3, "minute": 55, "second": 51}
